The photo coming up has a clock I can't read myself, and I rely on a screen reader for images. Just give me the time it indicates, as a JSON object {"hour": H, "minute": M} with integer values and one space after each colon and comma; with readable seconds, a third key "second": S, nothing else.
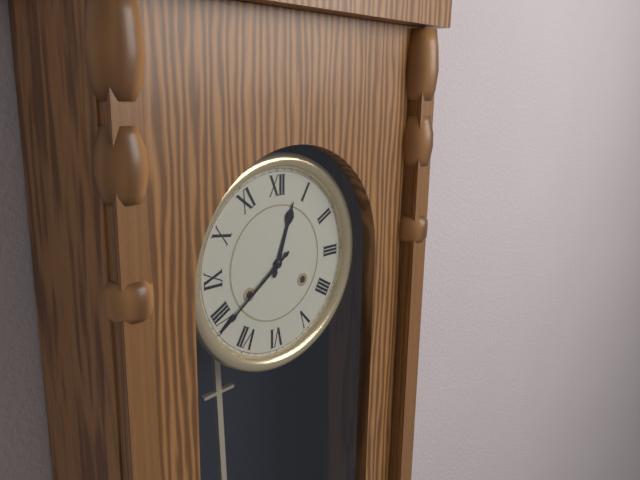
{"hour": 12, "minute": 39}
